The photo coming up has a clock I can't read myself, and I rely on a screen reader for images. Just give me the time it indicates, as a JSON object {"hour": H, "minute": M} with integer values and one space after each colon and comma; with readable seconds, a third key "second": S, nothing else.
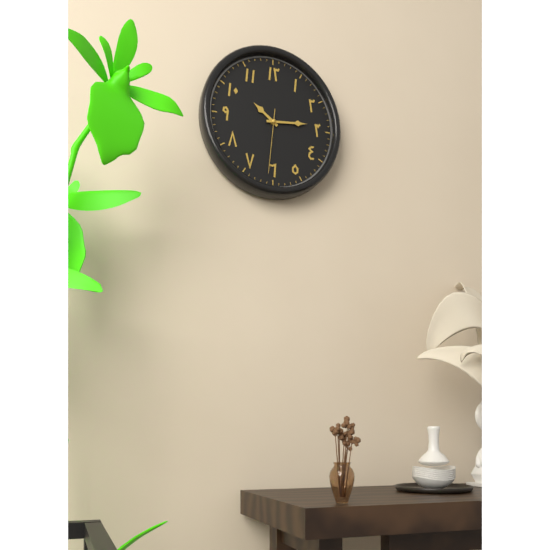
{"hour": 10, "minute": 14, "second": 31}
